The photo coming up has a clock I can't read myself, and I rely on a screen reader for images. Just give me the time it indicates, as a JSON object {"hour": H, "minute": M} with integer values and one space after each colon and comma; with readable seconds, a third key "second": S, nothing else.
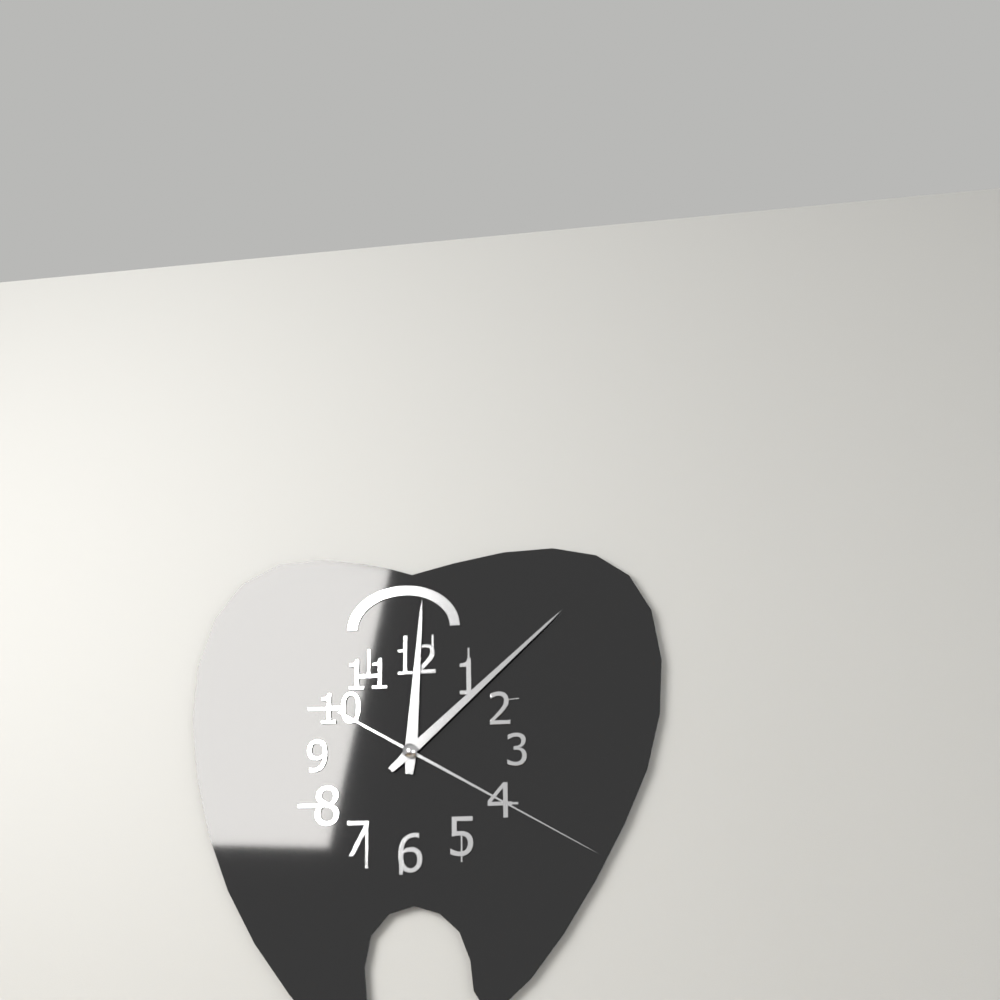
{"hour": 12, "minute": 8, "second": 20}
